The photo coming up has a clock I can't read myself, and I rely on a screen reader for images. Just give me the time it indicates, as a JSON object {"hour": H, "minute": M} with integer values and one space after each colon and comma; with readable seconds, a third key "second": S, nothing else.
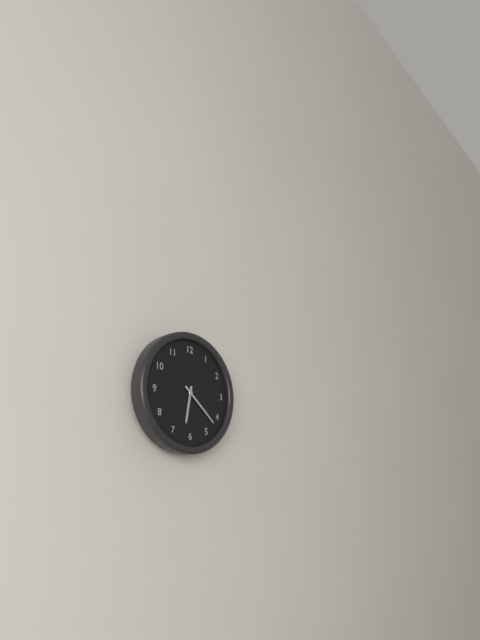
{"hour": 6, "minute": 22}
